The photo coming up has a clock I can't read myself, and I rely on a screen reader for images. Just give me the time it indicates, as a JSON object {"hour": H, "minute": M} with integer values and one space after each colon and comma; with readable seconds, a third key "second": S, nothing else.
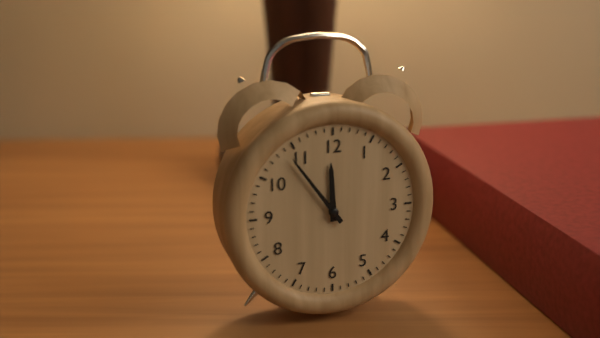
{"hour": 11, "minute": 54}
